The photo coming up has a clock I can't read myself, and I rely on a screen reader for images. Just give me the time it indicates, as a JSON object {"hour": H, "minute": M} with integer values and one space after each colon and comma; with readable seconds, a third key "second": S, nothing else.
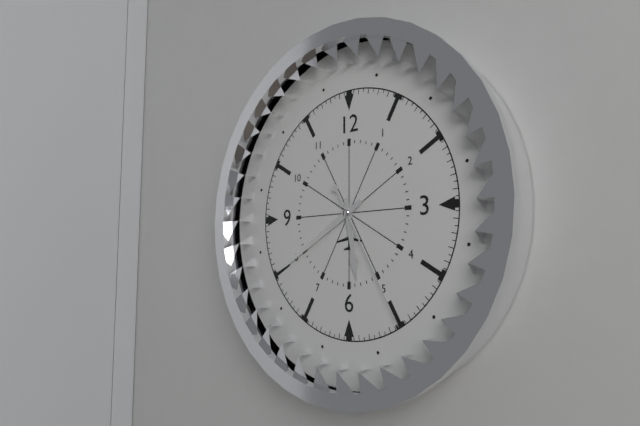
{"hour": 5, "minute": 40, "second": 25}
